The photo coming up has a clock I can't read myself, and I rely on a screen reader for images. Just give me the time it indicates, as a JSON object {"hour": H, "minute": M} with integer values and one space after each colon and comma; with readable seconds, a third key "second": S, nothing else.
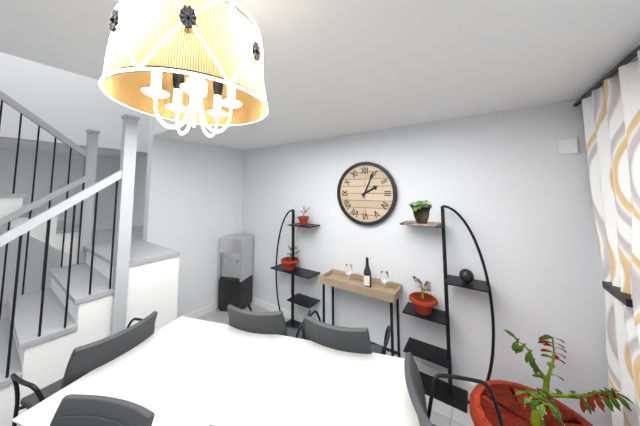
{"hour": 2, "minute": 4}
